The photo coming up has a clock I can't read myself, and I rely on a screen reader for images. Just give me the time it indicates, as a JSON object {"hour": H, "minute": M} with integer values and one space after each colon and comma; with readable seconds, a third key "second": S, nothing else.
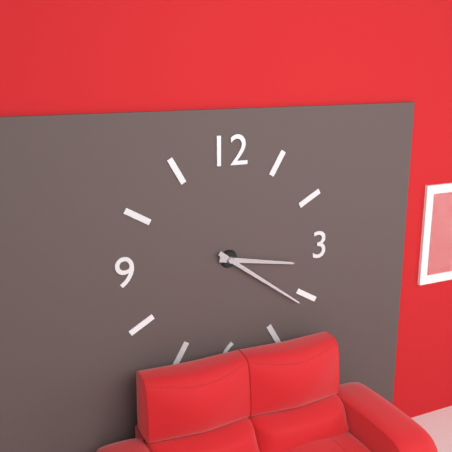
{"hour": 3, "minute": 21}
